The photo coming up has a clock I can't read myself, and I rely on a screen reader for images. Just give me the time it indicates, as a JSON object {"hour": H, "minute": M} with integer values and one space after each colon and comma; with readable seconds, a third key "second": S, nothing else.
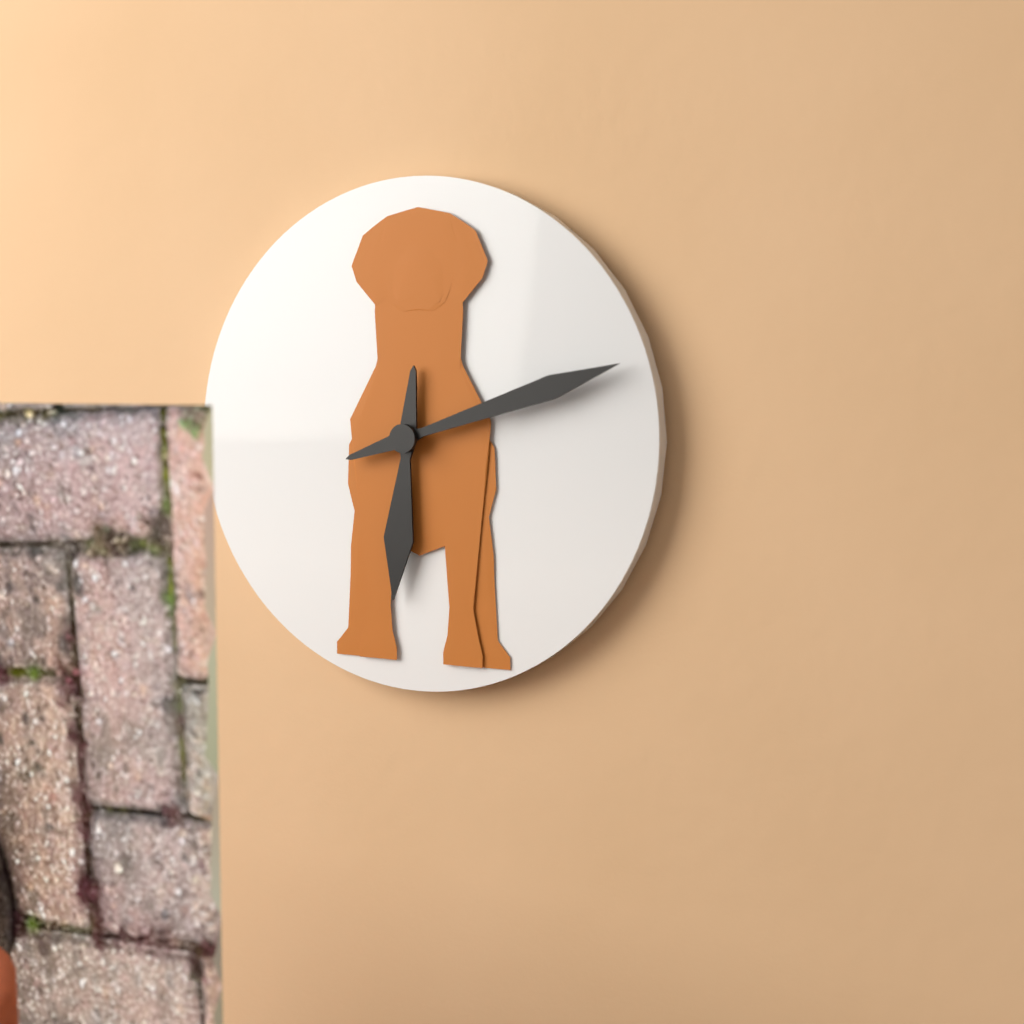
{"hour": 6, "minute": 12}
